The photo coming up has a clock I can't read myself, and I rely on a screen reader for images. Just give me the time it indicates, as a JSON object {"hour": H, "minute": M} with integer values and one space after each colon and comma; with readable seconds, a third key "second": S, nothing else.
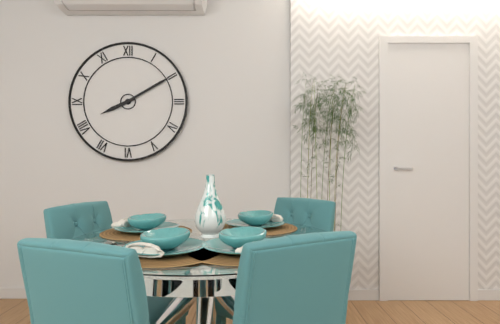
{"hour": 8, "minute": 10}
